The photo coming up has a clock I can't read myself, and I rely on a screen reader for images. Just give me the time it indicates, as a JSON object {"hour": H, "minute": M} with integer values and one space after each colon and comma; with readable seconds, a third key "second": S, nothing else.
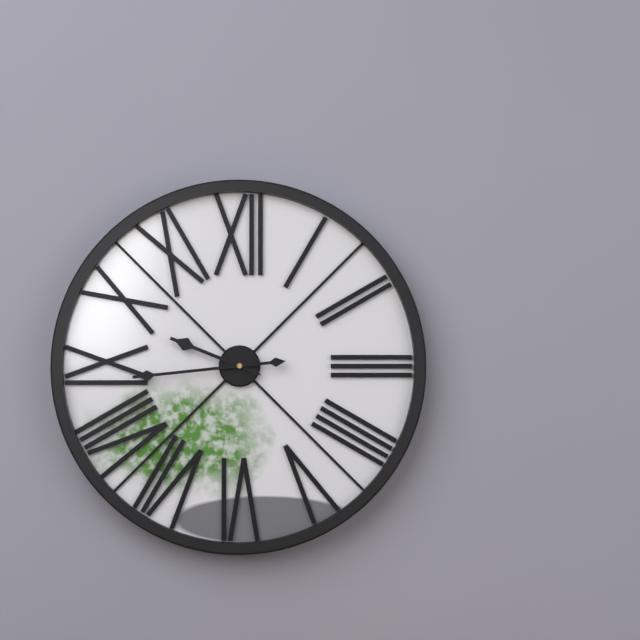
{"hour": 9, "minute": 44}
